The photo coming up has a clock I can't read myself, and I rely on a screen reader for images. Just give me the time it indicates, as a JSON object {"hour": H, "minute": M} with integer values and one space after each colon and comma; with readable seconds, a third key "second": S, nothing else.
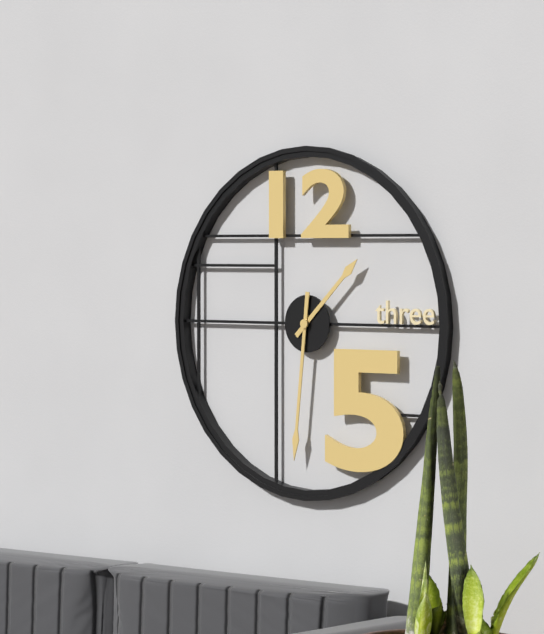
{"hour": 1, "minute": 31}
